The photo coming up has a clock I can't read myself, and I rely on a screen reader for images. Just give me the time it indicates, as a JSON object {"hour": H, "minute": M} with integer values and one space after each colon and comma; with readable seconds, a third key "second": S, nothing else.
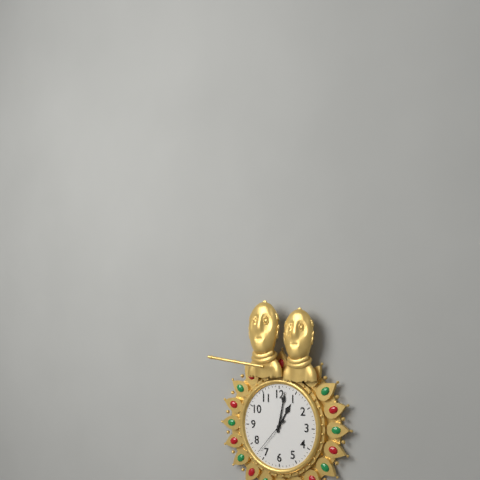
{"hour": 1, "minute": 2}
